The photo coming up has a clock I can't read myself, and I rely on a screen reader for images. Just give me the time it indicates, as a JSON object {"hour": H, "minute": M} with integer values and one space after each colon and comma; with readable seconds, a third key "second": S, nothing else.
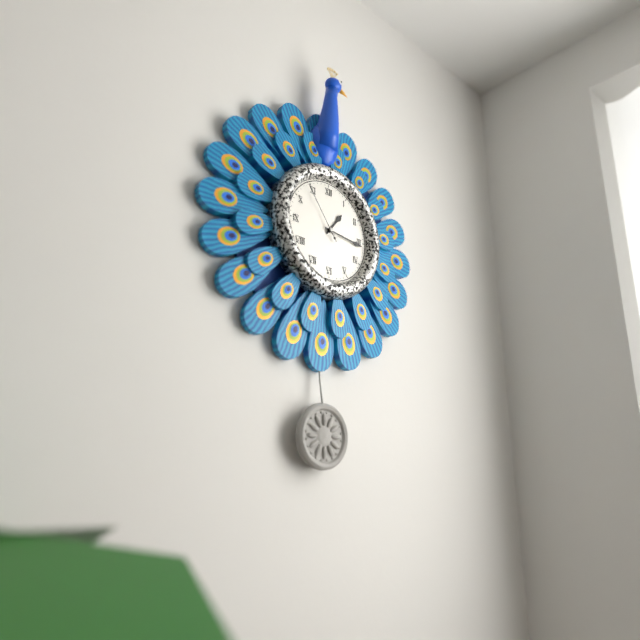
{"hour": 1, "minute": 16, "second": 54}
